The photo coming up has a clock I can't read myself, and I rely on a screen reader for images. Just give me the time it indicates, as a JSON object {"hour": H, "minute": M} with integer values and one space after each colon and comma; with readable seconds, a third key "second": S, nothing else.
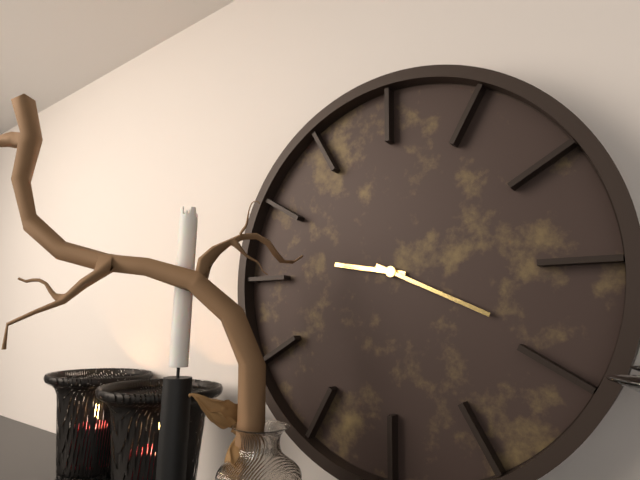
{"hour": 9, "minute": 19}
